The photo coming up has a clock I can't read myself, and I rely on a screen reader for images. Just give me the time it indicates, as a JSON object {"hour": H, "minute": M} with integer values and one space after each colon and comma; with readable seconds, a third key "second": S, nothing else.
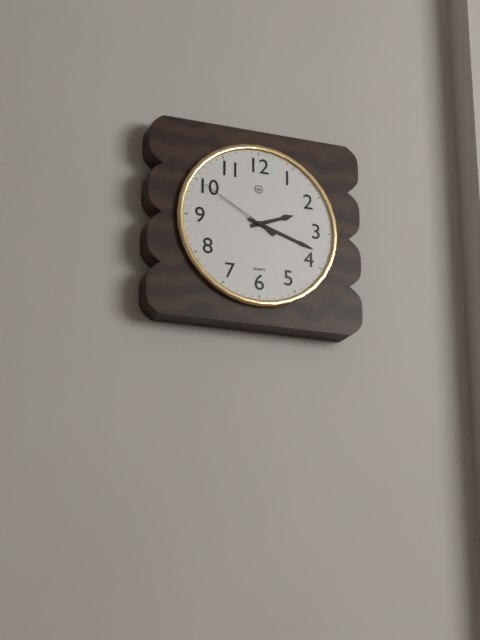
{"hour": 2, "minute": 18, "second": 50}
